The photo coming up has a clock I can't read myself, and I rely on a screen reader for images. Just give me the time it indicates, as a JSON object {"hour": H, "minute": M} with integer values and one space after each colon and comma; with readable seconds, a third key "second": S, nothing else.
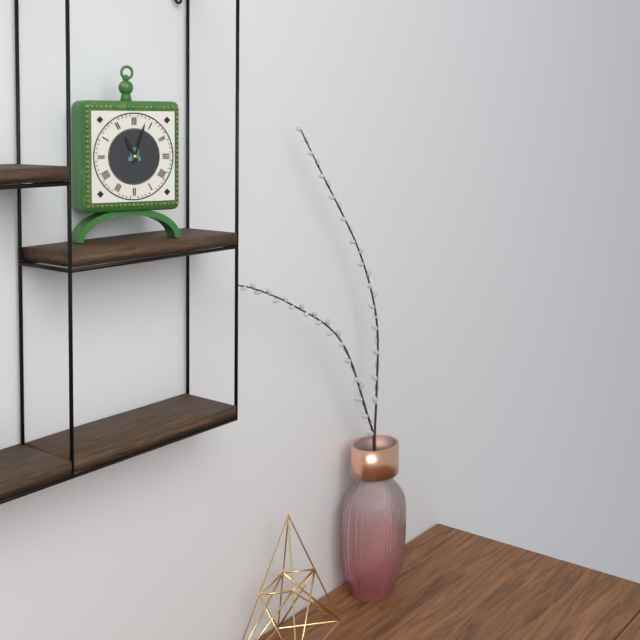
{"hour": 11, "minute": 3}
